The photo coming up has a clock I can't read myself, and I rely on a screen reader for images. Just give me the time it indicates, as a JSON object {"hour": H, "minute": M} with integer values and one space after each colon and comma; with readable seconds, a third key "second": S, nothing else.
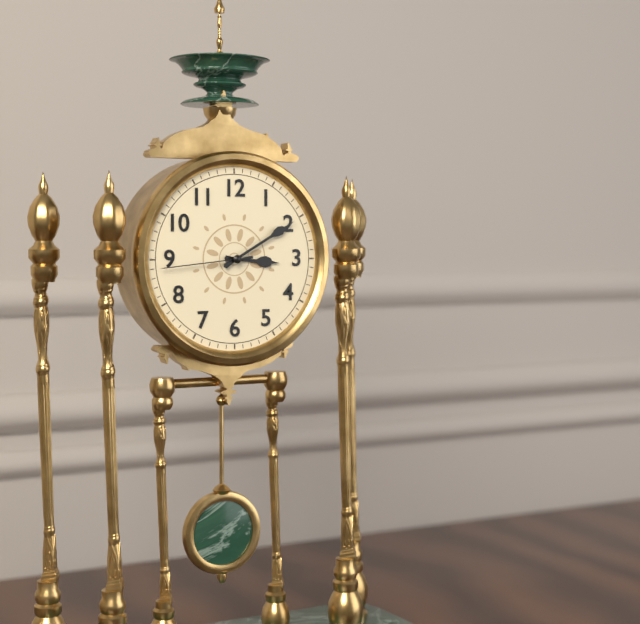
{"hour": 3, "minute": 10, "second": 44}
